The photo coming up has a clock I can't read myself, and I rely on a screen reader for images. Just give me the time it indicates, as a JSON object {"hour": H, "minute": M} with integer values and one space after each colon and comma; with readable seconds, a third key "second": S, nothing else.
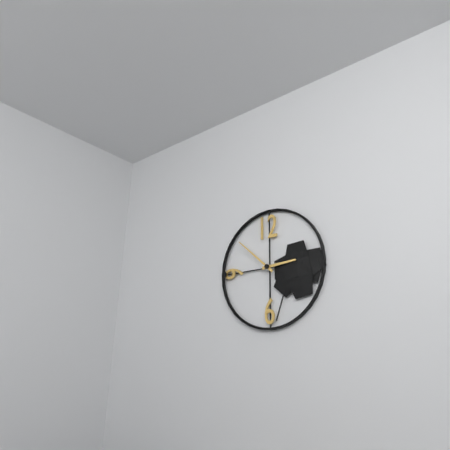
{"hour": 2, "minute": 52}
